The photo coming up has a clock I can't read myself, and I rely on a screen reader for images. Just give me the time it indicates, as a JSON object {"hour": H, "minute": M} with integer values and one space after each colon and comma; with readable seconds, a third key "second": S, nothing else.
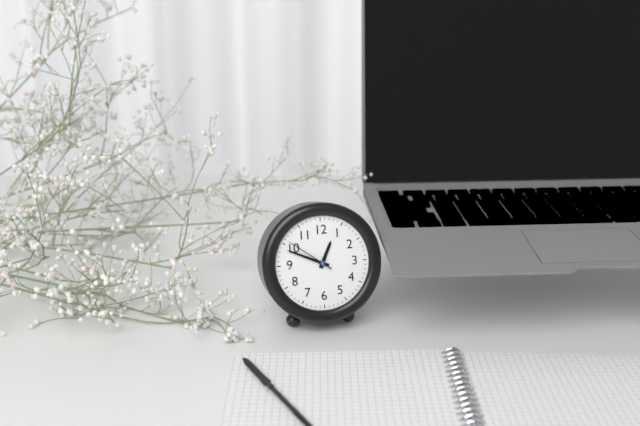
{"hour": 12, "minute": 49, "second": 51}
